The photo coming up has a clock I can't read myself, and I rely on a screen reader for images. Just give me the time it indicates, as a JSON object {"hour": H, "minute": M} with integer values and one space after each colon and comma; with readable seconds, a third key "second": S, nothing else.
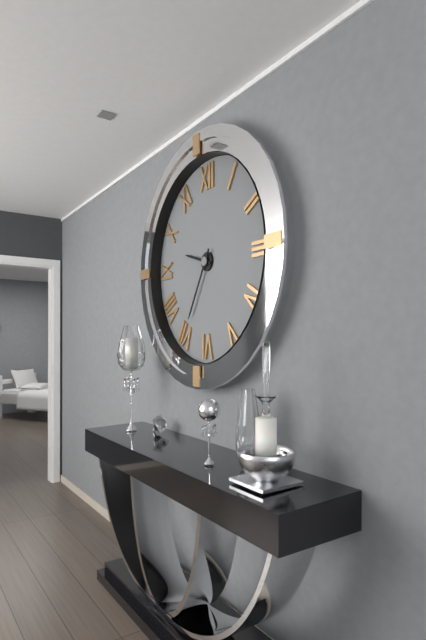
{"hour": 9, "minute": 35}
